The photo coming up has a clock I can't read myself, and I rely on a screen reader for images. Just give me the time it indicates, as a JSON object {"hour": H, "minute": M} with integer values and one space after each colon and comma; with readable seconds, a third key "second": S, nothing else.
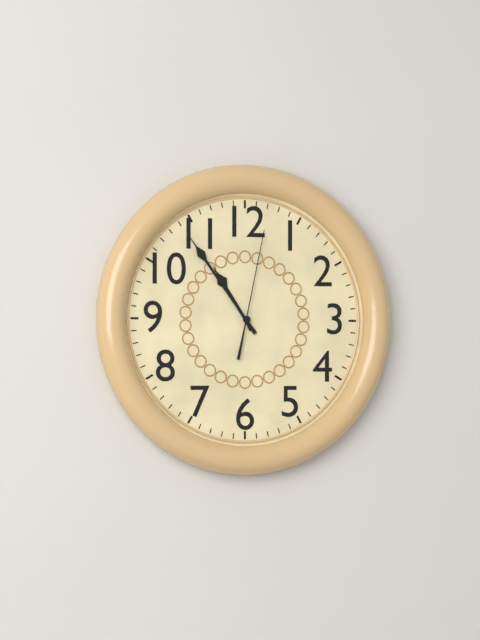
{"hour": 10, "minute": 54, "second": 2}
